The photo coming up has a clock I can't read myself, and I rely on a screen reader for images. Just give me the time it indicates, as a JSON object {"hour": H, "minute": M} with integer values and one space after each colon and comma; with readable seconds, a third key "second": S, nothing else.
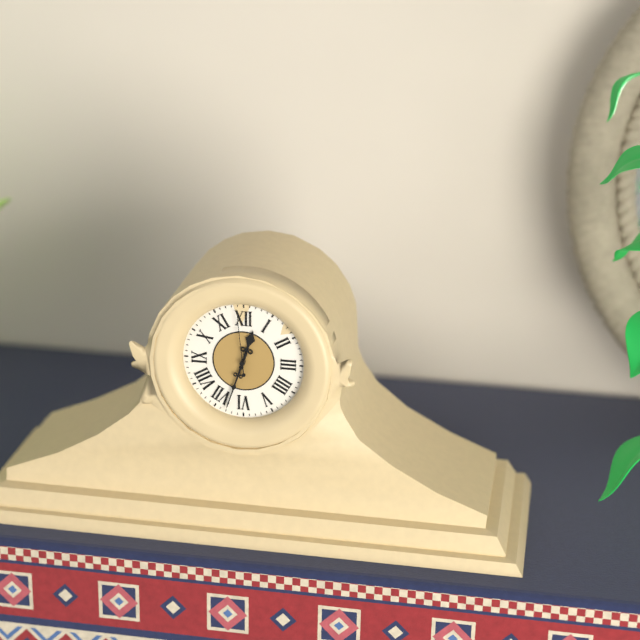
{"hour": 12, "minute": 33, "second": 59}
